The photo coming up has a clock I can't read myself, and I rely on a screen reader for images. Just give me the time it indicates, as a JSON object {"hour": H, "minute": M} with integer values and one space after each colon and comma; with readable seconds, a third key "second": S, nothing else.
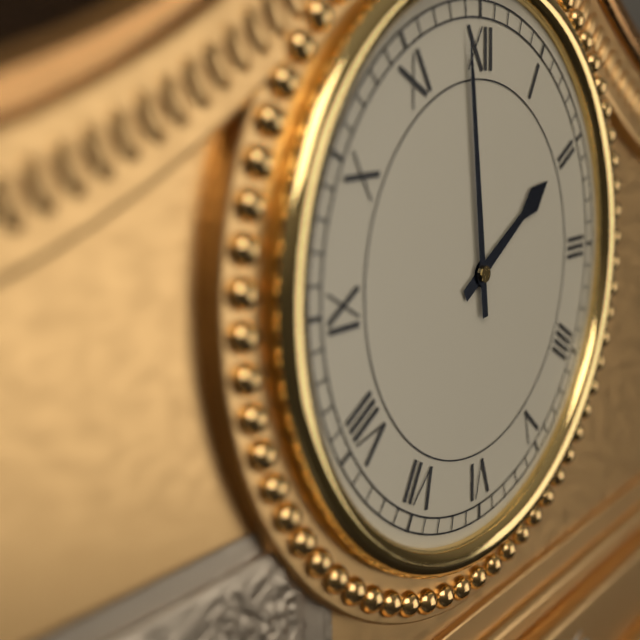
{"hour": 1, "minute": 59}
